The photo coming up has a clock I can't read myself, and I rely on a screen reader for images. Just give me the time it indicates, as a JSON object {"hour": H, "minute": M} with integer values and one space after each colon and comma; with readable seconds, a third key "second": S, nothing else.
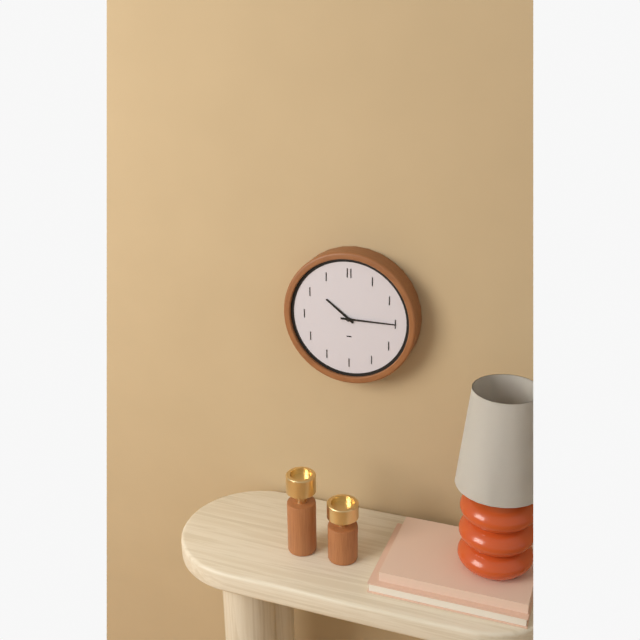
{"hour": 10, "minute": 15}
